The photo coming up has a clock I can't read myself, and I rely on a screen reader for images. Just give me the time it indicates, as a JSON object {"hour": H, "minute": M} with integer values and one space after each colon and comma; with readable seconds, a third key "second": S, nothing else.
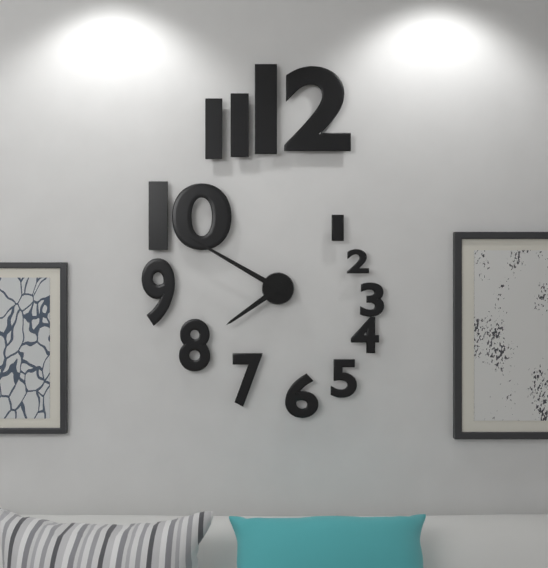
{"hour": 7, "minute": 50}
